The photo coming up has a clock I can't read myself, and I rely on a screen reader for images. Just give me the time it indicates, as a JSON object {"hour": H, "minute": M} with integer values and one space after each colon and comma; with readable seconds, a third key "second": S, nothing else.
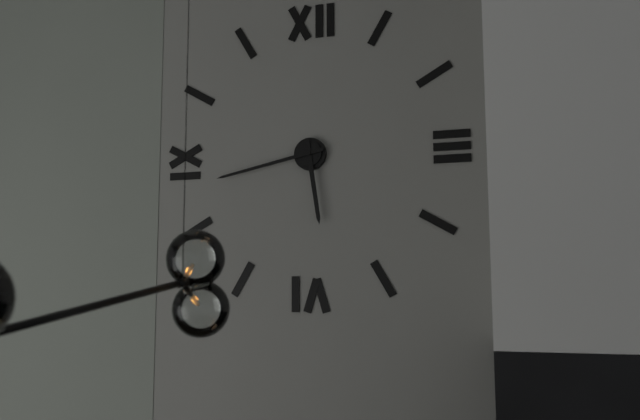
{"hour": 5, "minute": 43}
